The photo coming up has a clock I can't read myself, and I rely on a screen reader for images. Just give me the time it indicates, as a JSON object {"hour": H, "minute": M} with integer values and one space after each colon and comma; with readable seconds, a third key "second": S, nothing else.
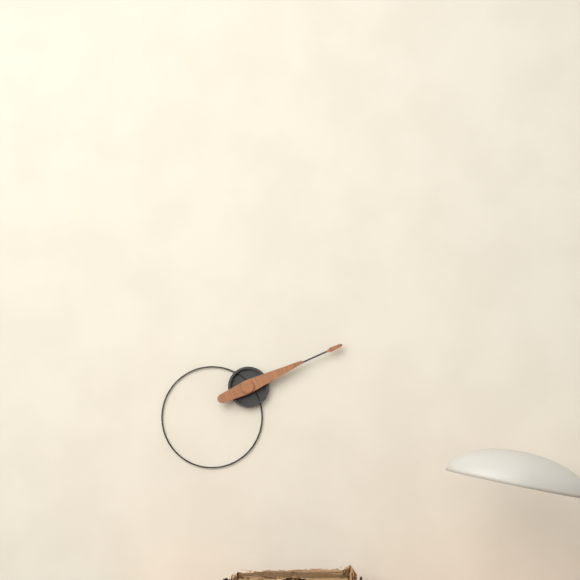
{"hour": 2, "minute": 11}
